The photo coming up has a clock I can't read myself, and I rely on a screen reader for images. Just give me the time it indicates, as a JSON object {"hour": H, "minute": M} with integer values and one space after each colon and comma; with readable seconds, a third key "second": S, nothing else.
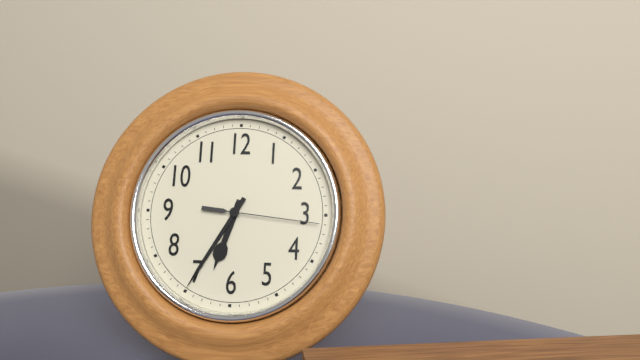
{"hour": 6, "minute": 35, "second": 16}
